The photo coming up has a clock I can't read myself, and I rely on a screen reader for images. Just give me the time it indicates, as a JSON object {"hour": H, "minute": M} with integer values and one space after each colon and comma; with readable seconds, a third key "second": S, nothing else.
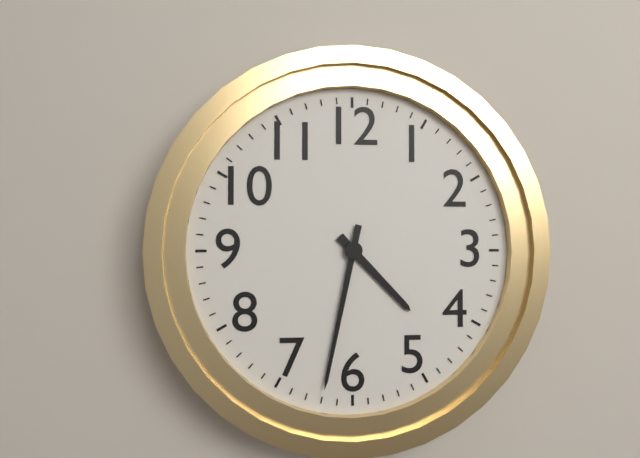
{"hour": 4, "minute": 32}
